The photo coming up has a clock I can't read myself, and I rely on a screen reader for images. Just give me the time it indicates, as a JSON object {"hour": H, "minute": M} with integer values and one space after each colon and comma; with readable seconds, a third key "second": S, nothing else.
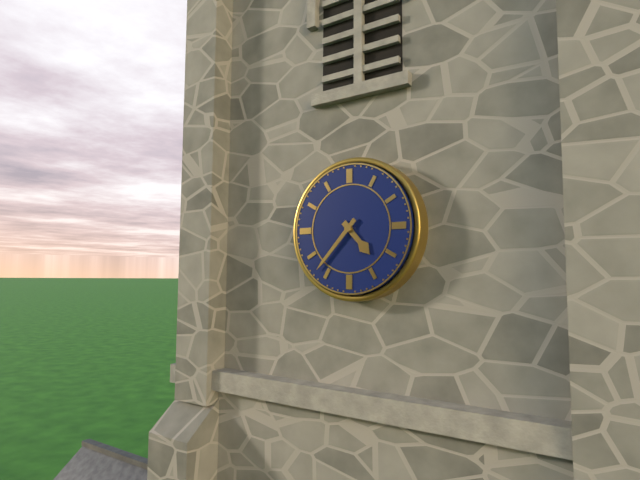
{"hour": 4, "minute": 37}
